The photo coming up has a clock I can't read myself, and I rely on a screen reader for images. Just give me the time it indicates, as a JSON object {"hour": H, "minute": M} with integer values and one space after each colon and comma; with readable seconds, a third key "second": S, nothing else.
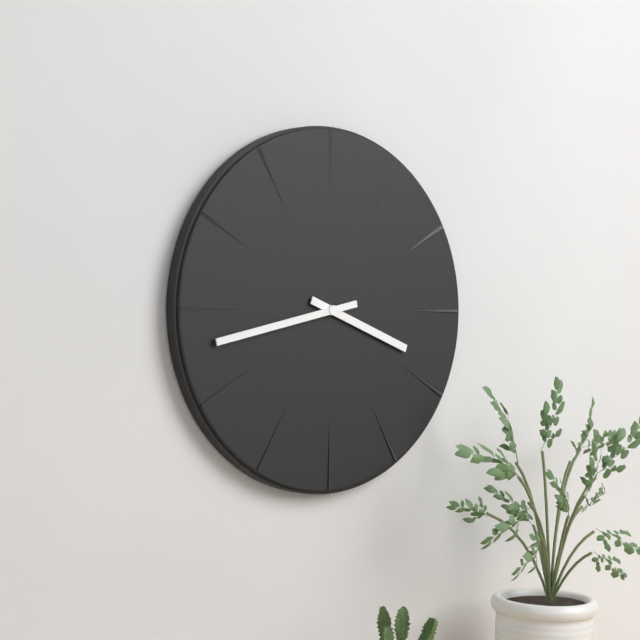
{"hour": 3, "minute": 43}
